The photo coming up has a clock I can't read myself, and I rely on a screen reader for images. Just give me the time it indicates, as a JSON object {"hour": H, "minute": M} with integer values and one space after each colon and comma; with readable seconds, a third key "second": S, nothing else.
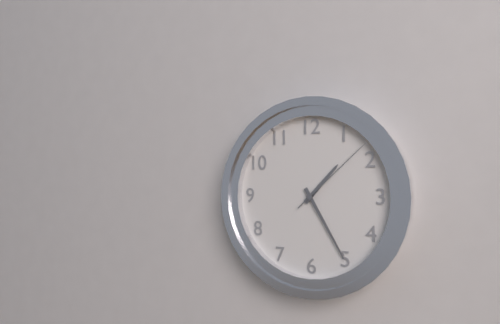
{"hour": 1, "minute": 25, "second": 8}
